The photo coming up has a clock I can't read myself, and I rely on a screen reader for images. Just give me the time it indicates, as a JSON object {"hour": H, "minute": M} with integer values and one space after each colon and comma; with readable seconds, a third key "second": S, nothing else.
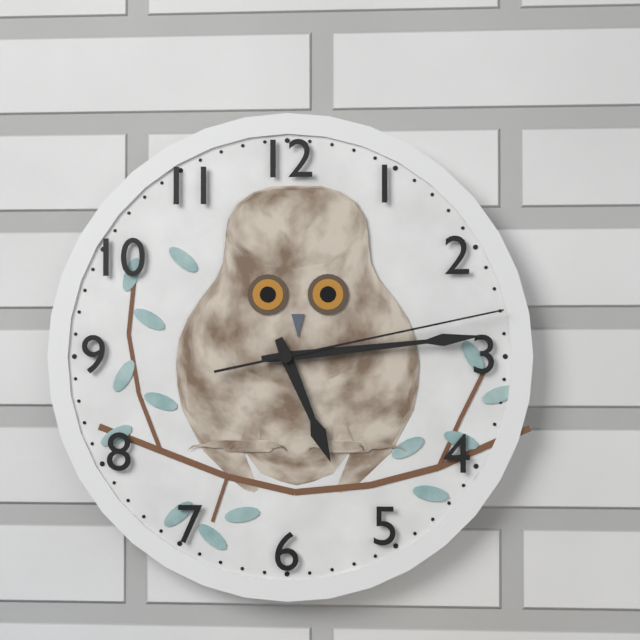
{"hour": 5, "minute": 14, "second": 13}
